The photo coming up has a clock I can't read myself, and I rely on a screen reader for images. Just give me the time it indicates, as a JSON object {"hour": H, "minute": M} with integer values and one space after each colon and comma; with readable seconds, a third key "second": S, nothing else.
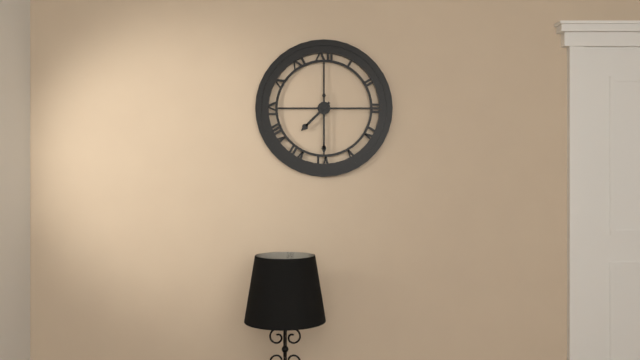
{"hour": 7, "minute": 30}
